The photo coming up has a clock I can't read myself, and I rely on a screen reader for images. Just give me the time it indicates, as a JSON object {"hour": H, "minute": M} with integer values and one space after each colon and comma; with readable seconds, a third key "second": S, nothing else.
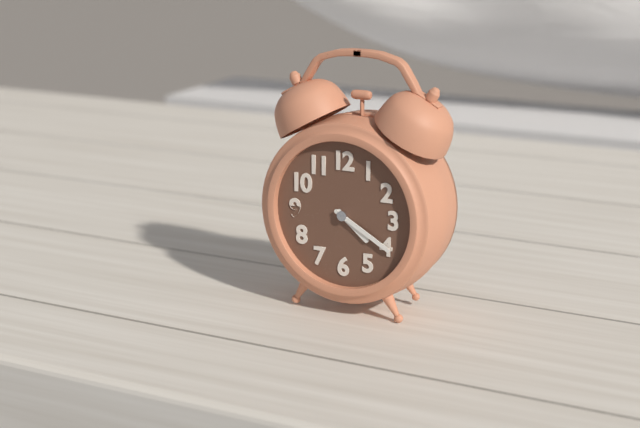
{"hour": 4, "minute": 20}
